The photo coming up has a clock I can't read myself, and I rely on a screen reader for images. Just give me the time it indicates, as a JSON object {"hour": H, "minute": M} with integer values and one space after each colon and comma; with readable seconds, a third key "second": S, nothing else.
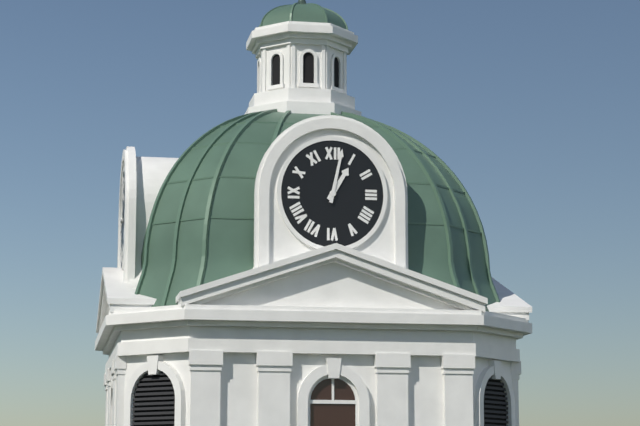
{"hour": 1, "minute": 2}
